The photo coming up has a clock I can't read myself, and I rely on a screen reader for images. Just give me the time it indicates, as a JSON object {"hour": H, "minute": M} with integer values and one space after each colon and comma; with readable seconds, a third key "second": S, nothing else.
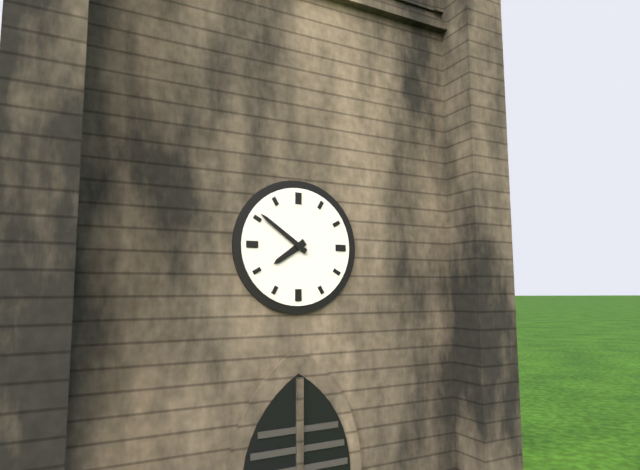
{"hour": 7, "minute": 51}
